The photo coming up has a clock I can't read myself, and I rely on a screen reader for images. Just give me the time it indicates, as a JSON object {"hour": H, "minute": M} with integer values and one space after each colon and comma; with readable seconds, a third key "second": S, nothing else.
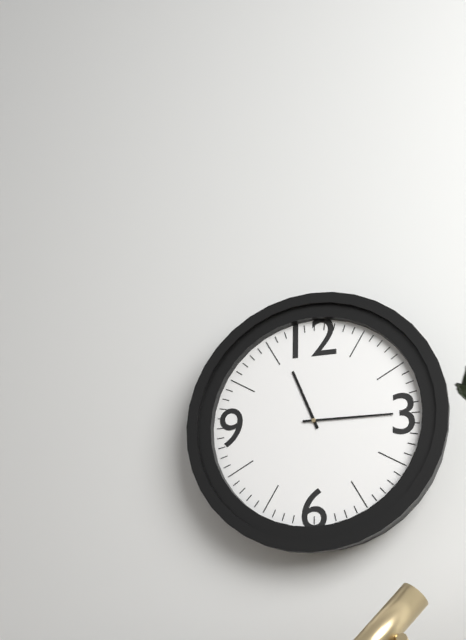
{"hour": 11, "minute": 15}
